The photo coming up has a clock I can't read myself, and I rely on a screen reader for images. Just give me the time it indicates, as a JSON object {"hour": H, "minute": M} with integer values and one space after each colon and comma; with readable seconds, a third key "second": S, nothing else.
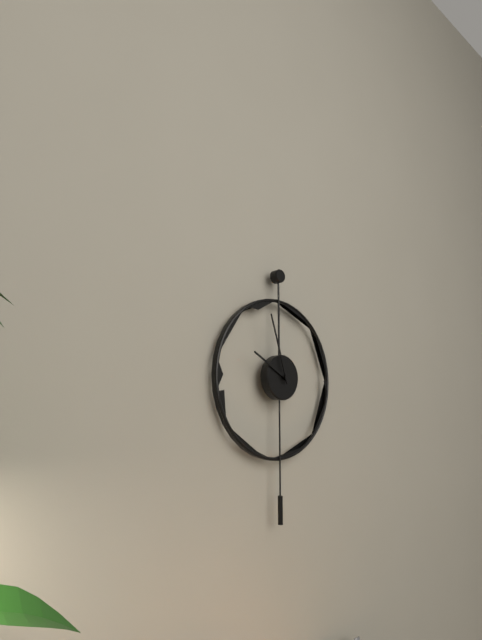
{"hour": 9, "minute": 57}
